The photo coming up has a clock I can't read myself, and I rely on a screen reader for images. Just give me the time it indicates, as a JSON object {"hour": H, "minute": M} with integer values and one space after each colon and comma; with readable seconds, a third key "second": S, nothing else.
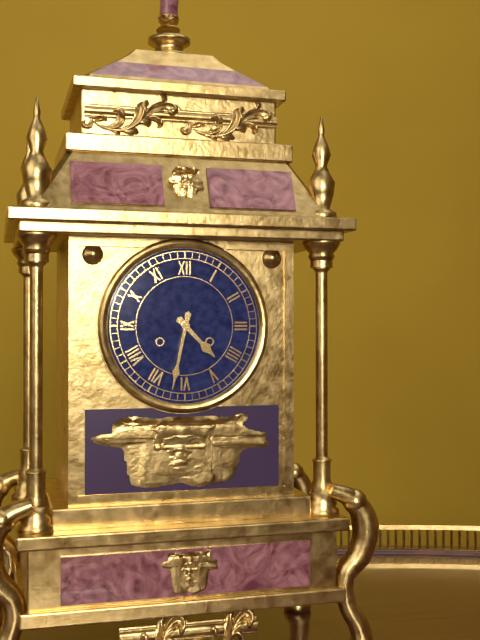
{"hour": 4, "minute": 32}
